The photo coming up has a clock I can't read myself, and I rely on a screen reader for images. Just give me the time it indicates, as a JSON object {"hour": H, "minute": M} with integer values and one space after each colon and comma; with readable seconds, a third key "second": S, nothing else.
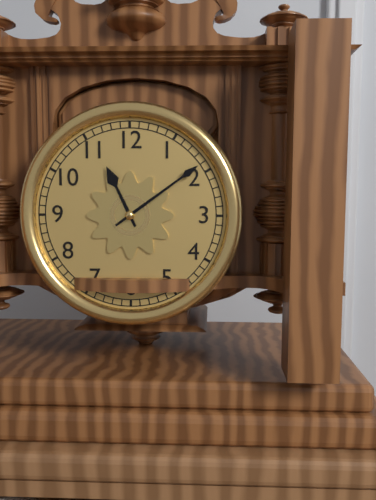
{"hour": 11, "minute": 9}
